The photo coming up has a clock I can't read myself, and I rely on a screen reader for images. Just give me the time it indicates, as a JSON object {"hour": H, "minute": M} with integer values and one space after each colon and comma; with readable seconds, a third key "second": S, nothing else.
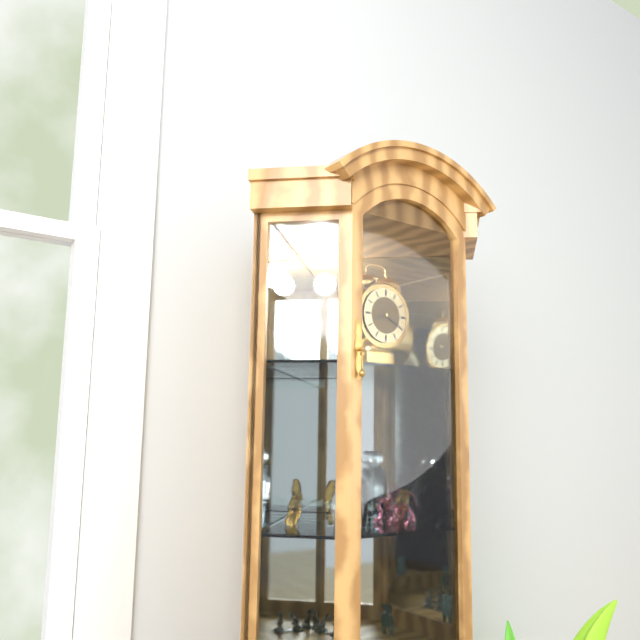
{"hour": 8, "minute": 20}
